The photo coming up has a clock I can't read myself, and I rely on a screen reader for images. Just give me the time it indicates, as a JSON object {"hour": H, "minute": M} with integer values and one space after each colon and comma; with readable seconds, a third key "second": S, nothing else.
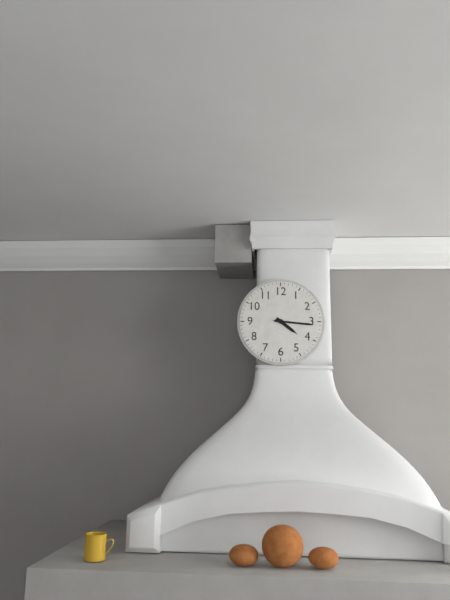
{"hour": 4, "minute": 16}
